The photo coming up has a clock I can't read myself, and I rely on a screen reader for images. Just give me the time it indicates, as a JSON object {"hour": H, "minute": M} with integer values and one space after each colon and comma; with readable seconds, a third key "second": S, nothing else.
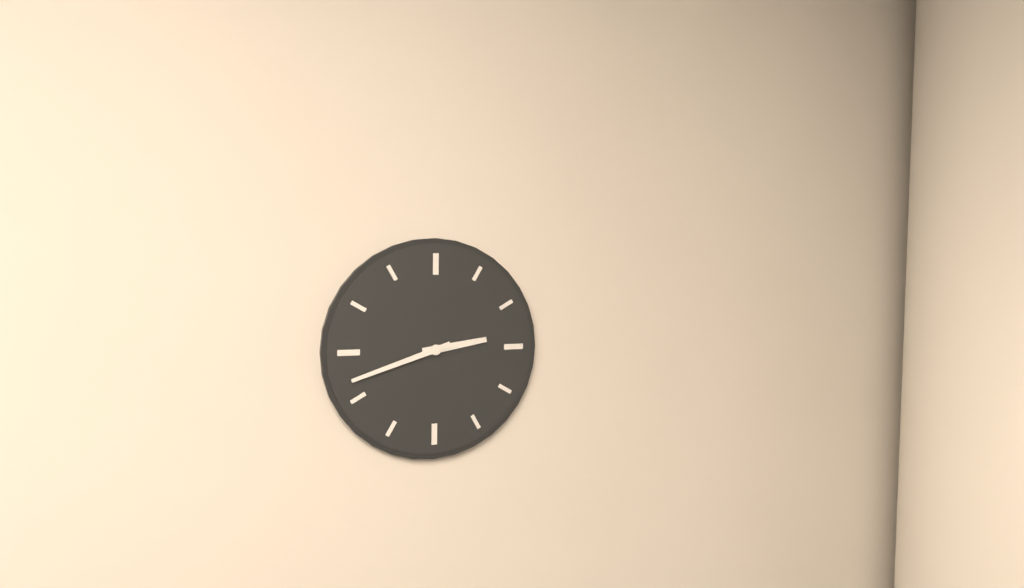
{"hour": 2, "minute": 42}
